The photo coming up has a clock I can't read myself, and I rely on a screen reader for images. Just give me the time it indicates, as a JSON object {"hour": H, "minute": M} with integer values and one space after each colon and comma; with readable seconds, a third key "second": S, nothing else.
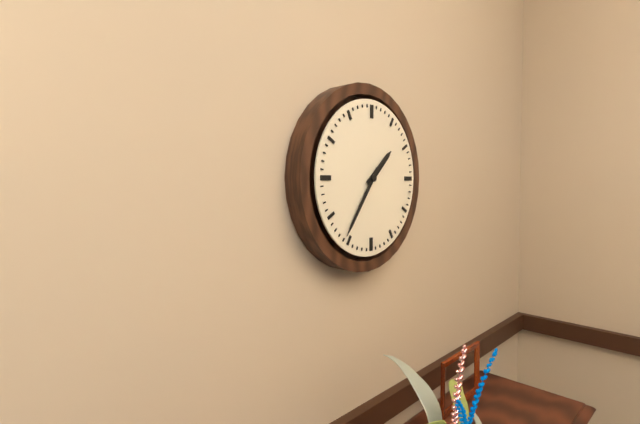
{"hour": 1, "minute": 36}
